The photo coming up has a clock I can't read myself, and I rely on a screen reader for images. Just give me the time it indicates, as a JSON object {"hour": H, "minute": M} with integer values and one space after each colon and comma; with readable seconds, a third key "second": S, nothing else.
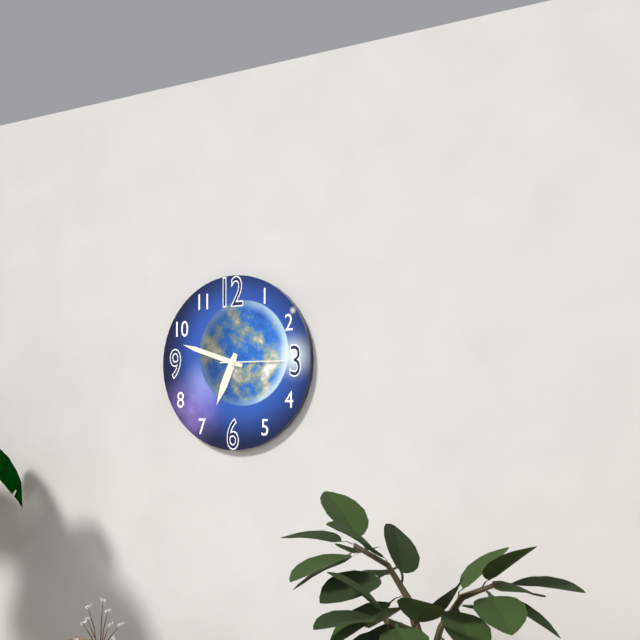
{"hour": 6, "minute": 48, "second": 15}
